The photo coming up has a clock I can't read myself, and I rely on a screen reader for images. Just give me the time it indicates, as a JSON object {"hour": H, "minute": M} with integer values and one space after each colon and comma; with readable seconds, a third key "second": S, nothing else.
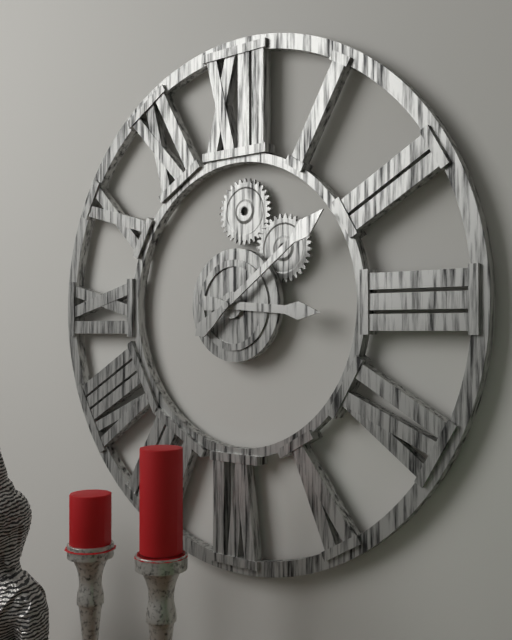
{"hour": 3, "minute": 9}
